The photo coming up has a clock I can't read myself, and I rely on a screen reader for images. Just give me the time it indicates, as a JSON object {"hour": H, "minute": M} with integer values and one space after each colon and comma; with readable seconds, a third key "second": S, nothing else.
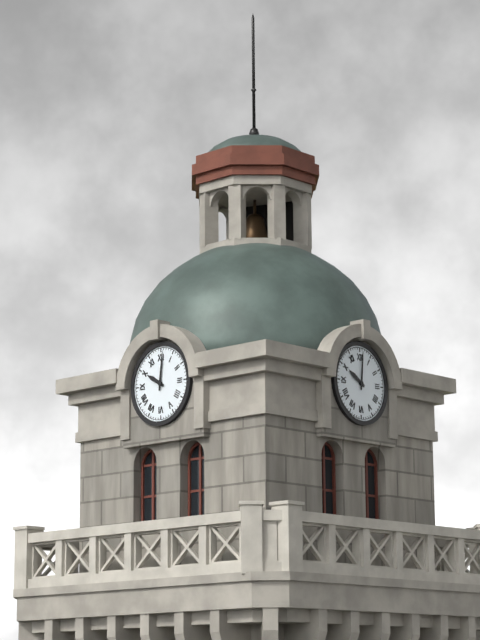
{"hour": 10, "minute": 1}
